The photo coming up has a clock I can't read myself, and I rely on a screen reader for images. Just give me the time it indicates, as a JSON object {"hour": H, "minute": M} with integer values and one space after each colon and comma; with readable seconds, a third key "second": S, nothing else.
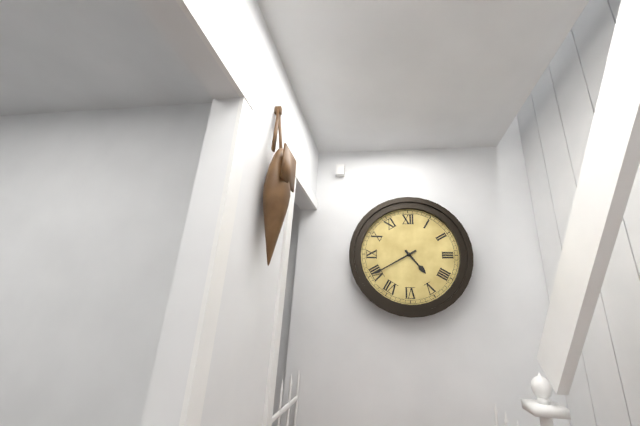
{"hour": 4, "minute": 40}
